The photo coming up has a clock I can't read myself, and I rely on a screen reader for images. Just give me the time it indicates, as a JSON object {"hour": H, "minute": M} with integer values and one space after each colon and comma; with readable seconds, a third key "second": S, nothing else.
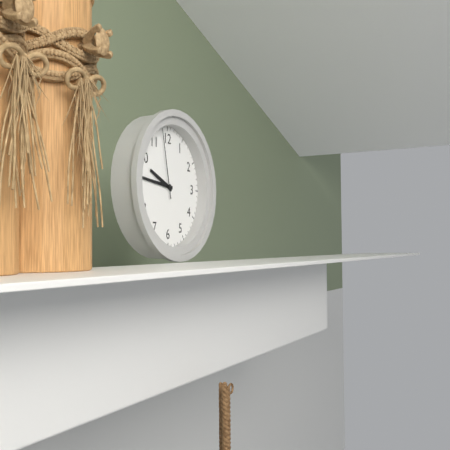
{"hour": 9, "minute": 46, "second": 58}
